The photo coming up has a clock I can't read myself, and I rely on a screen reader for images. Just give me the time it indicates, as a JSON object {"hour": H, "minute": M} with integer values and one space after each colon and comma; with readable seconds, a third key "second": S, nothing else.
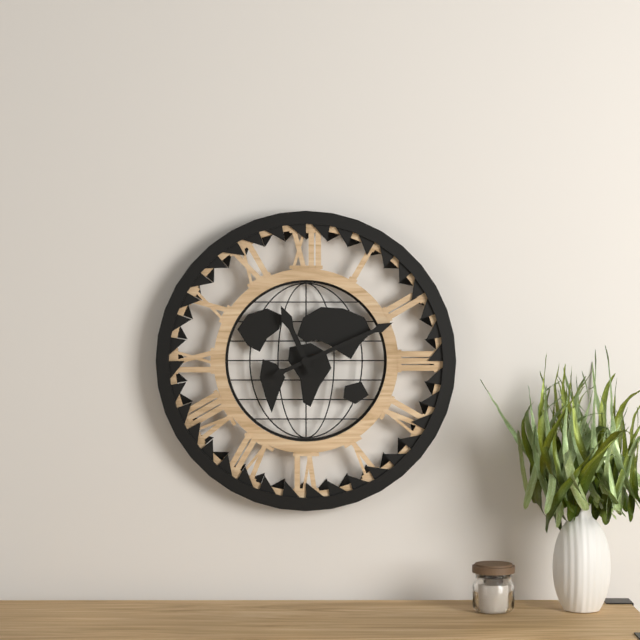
{"hour": 11, "minute": 11}
